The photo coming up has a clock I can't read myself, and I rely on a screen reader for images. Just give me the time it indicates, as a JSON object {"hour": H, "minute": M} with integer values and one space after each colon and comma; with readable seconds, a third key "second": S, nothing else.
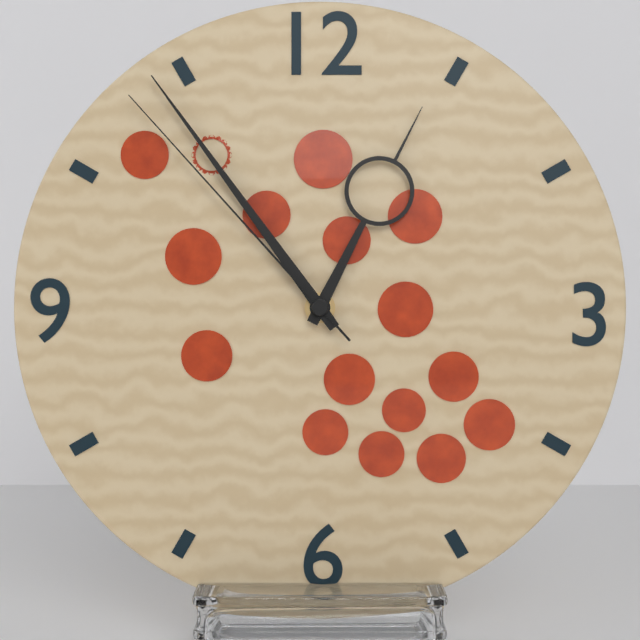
{"hour": 12, "minute": 54, "second": 53}
